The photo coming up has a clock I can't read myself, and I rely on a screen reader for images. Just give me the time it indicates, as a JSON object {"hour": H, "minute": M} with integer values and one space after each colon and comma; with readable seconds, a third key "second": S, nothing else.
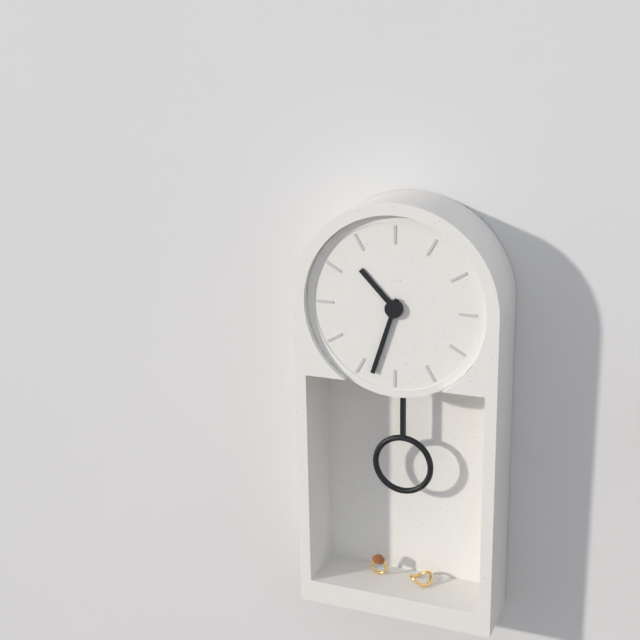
{"hour": 10, "minute": 33}
